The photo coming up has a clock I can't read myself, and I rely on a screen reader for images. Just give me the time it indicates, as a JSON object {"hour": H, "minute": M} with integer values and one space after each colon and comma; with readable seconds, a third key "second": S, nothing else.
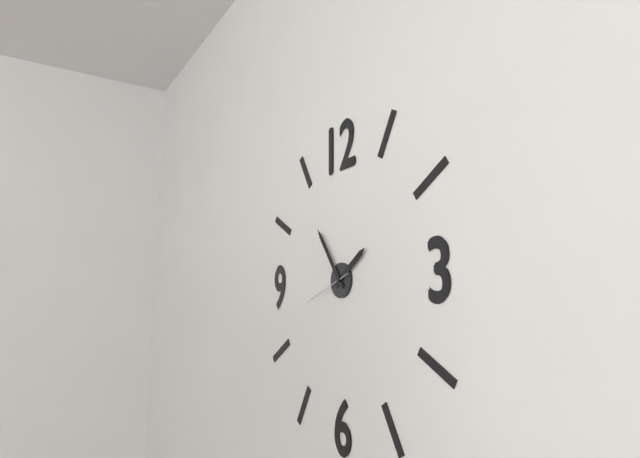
{"hour": 1, "minute": 54, "second": 42}
